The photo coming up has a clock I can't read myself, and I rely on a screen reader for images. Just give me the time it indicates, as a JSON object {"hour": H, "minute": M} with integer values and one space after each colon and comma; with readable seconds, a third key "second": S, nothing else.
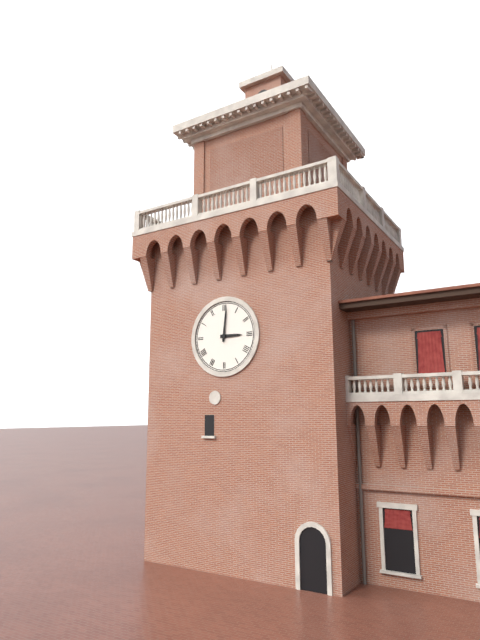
{"hour": 3, "minute": 1}
